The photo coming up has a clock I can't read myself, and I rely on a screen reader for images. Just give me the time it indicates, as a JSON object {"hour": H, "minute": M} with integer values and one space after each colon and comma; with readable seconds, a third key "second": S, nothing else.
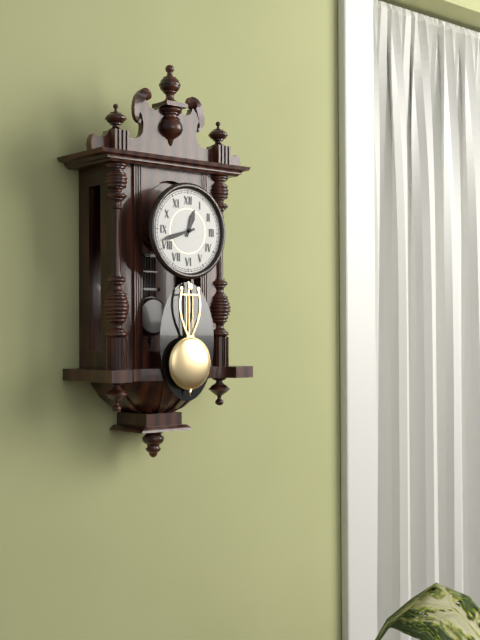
{"hour": 12, "minute": 42}
